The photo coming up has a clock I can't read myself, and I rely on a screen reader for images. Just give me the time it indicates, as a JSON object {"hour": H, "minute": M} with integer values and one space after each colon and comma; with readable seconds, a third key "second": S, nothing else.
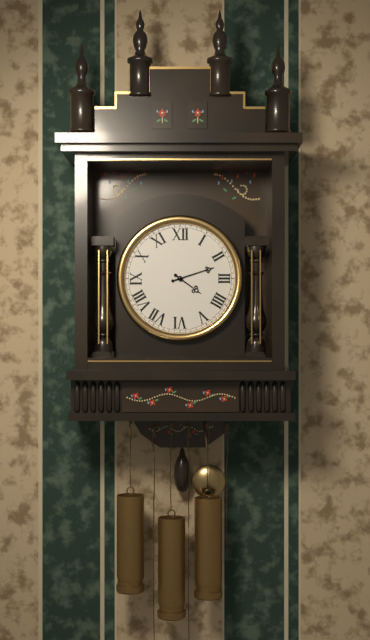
{"hour": 4, "minute": 12}
